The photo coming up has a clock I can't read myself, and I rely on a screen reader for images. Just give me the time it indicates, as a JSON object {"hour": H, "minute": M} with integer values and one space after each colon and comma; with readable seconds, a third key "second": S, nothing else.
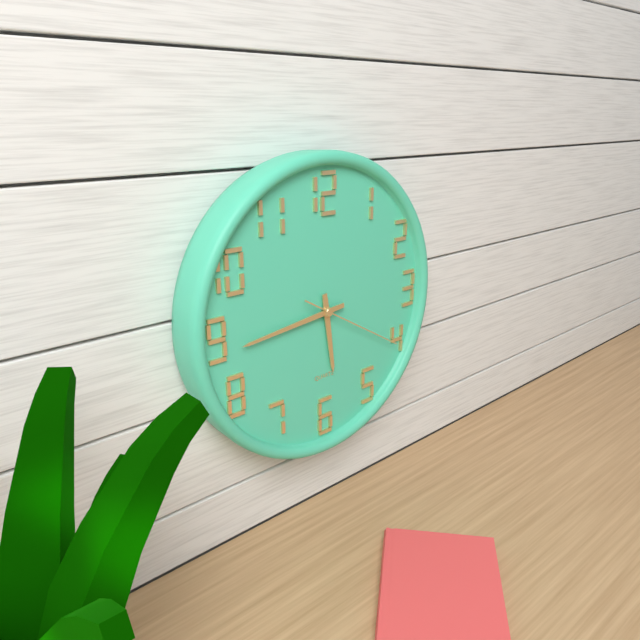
{"hour": 5, "minute": 44, "second": 20}
